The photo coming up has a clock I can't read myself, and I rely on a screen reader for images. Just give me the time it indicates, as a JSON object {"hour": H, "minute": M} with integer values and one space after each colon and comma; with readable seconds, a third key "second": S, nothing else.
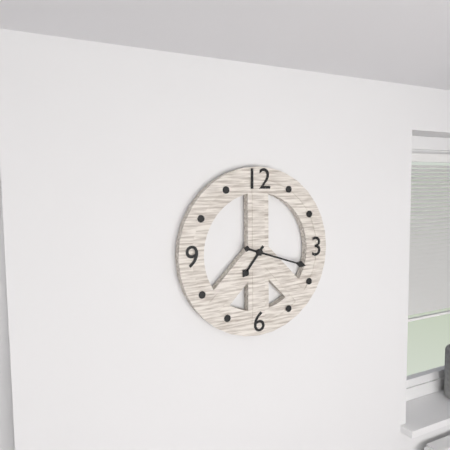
{"hour": 7, "minute": 18}
